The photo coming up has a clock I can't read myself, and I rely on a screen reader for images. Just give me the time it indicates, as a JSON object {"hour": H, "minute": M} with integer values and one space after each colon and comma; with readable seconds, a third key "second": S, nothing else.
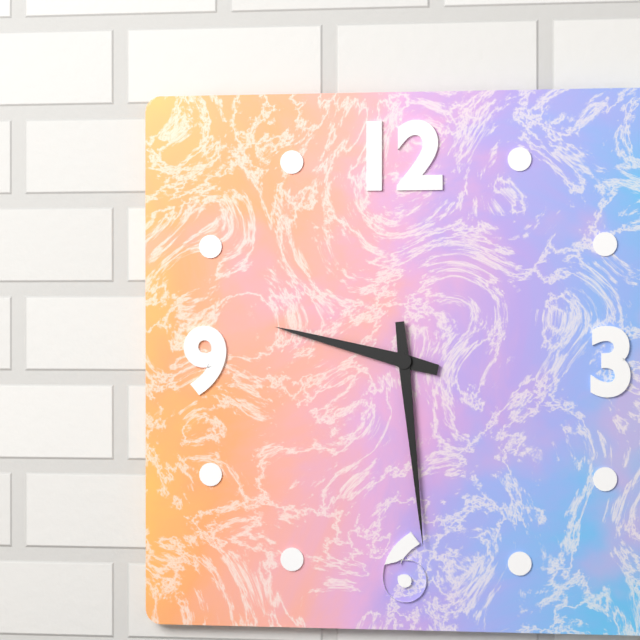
{"hour": 9, "minute": 29}
